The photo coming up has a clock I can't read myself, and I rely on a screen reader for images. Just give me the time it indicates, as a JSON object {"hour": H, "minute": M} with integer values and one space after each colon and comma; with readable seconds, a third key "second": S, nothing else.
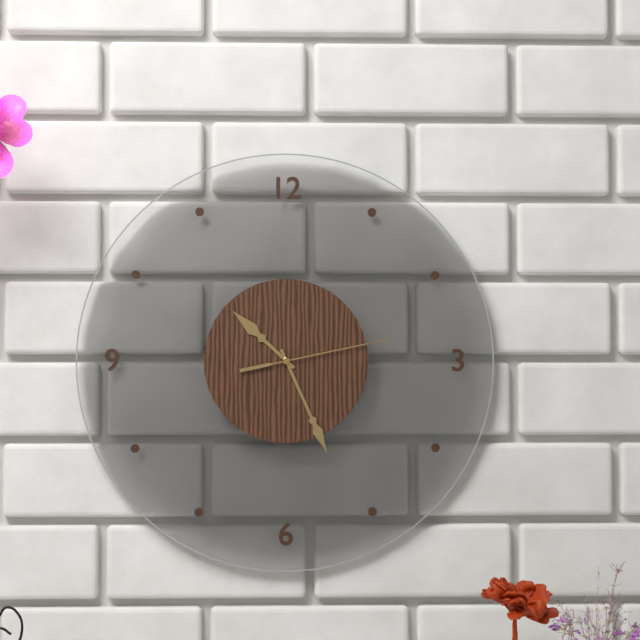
{"hour": 10, "minute": 26, "second": 13}
